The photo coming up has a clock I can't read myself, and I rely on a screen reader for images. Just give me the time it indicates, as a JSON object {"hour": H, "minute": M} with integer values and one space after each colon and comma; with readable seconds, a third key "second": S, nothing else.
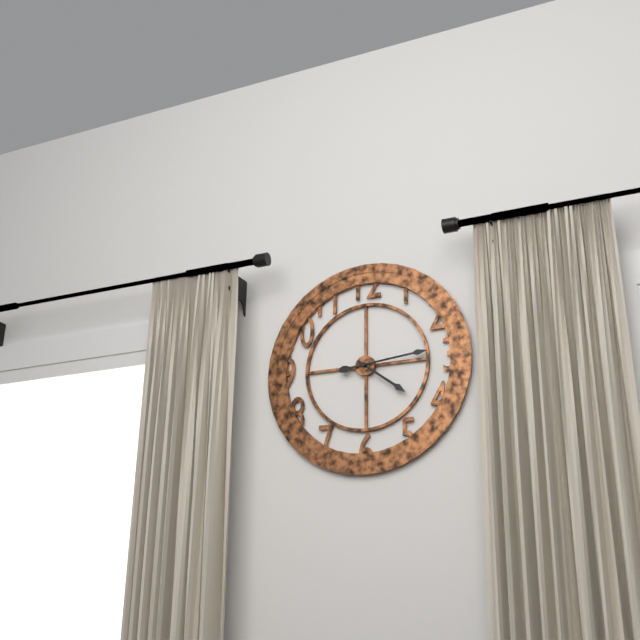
{"hour": 4, "minute": 14}
